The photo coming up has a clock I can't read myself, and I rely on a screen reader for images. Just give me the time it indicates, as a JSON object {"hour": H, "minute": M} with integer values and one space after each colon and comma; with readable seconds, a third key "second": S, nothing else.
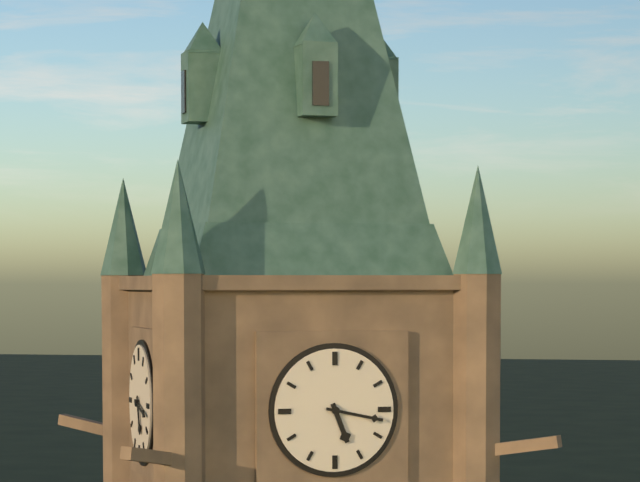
{"hour": 5, "minute": 17}
